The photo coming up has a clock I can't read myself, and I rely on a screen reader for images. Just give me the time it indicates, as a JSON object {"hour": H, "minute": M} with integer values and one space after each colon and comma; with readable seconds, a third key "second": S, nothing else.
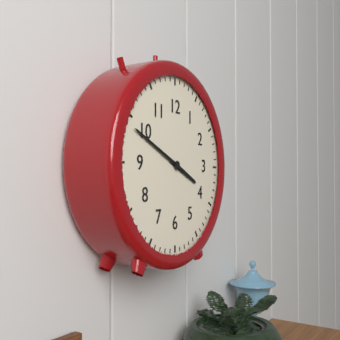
{"hour": 3, "minute": 49}
